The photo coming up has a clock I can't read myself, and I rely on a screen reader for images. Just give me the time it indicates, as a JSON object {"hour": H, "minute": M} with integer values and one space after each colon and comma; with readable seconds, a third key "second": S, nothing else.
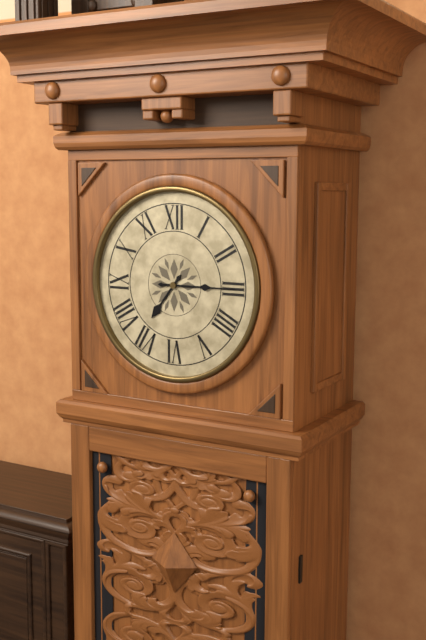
{"hour": 7, "minute": 15}
